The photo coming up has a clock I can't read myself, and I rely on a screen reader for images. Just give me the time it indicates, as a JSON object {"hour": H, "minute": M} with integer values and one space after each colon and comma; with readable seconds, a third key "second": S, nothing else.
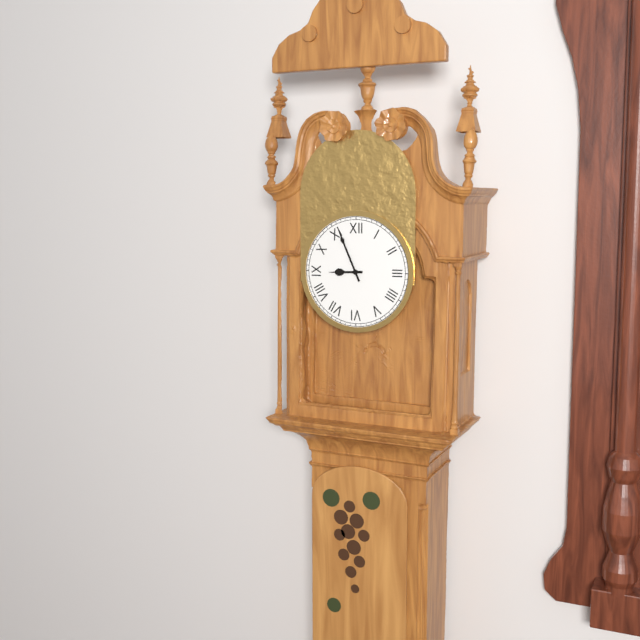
{"hour": 8, "minute": 56}
